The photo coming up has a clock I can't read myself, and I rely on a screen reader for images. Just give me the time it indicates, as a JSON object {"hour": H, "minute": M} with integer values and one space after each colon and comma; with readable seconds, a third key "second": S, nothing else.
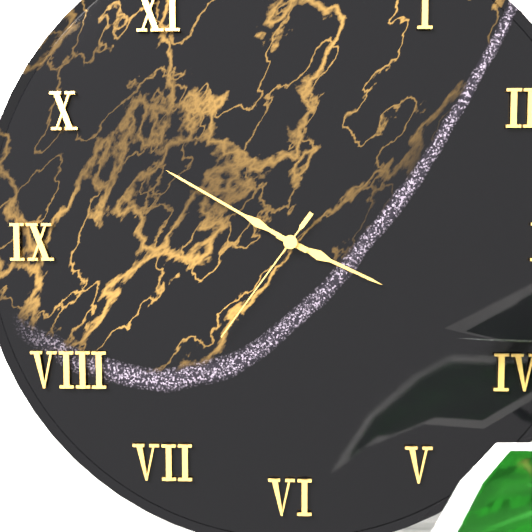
{"hour": 3, "minute": 50, "second": 36}
